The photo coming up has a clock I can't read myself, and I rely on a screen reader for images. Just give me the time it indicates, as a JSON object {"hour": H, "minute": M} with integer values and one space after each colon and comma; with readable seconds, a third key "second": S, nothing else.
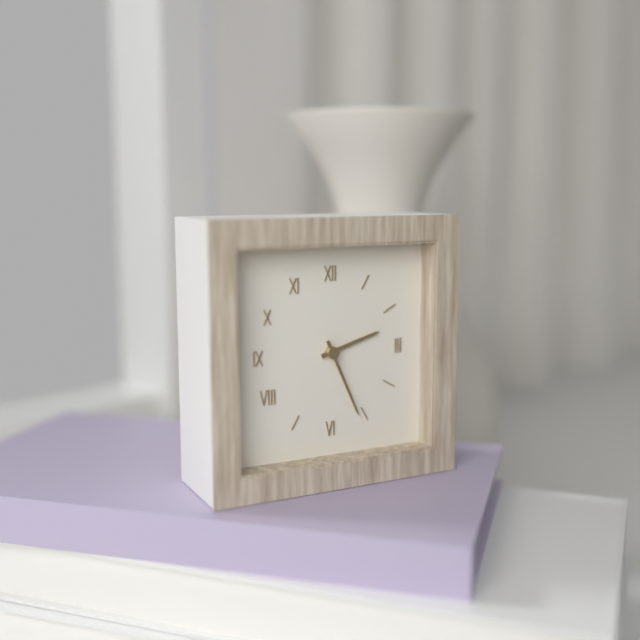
{"hour": 2, "minute": 26}
